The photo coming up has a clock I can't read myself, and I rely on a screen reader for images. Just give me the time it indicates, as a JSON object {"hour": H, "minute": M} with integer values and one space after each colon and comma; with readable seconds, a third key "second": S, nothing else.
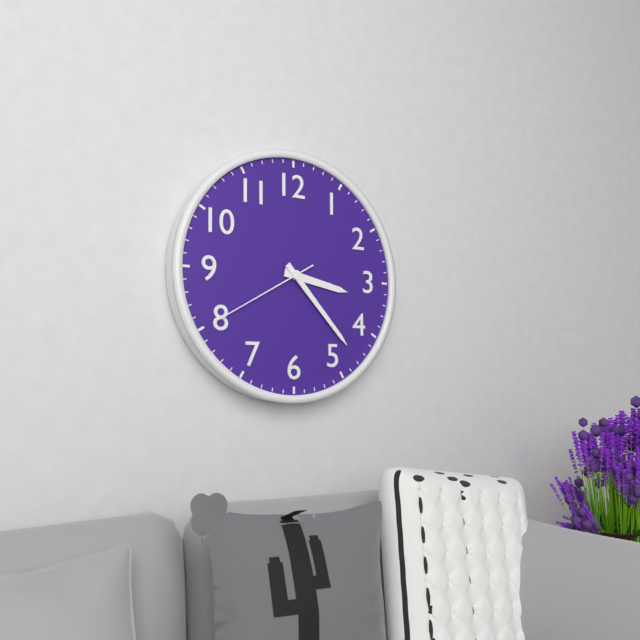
{"hour": 3, "minute": 23, "second": 40}
